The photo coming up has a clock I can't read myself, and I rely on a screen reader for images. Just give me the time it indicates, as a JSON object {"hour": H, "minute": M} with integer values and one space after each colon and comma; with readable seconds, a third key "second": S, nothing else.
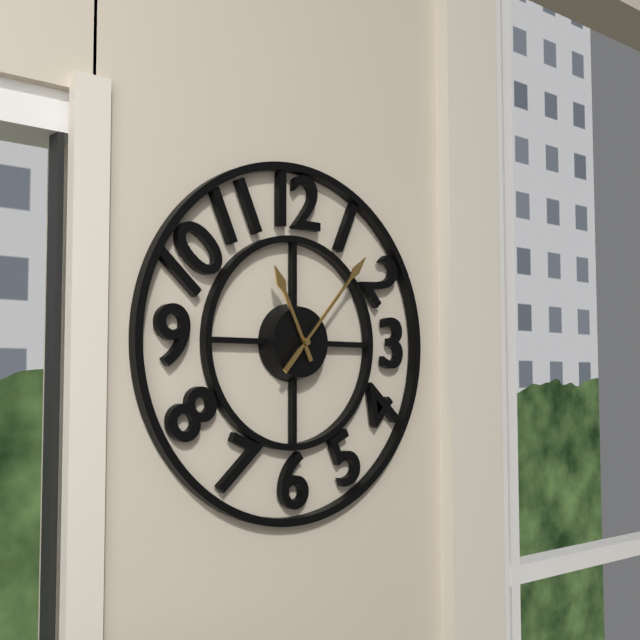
{"hour": 11, "minute": 7}
